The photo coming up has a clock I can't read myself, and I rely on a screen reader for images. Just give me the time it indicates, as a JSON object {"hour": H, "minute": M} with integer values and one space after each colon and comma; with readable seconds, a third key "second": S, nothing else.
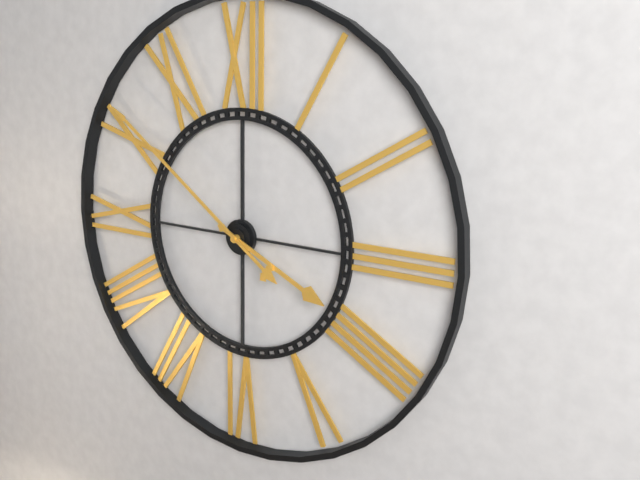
{"hour": 3, "minute": 51}
